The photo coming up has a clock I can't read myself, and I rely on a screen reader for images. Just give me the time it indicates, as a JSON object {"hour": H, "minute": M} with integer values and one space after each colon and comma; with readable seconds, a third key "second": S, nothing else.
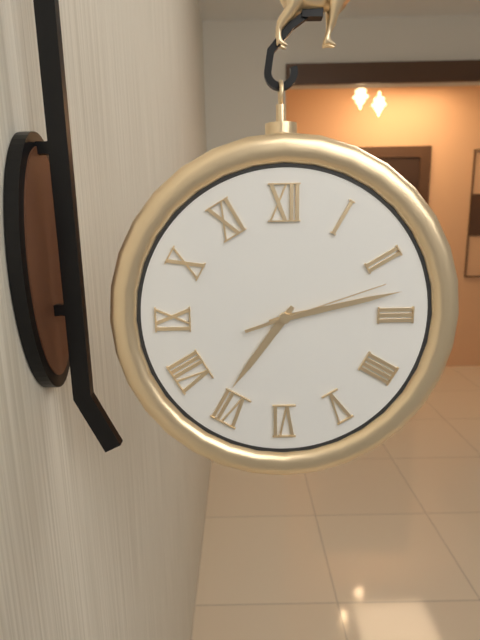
{"hour": 7, "minute": 13, "second": 12}
